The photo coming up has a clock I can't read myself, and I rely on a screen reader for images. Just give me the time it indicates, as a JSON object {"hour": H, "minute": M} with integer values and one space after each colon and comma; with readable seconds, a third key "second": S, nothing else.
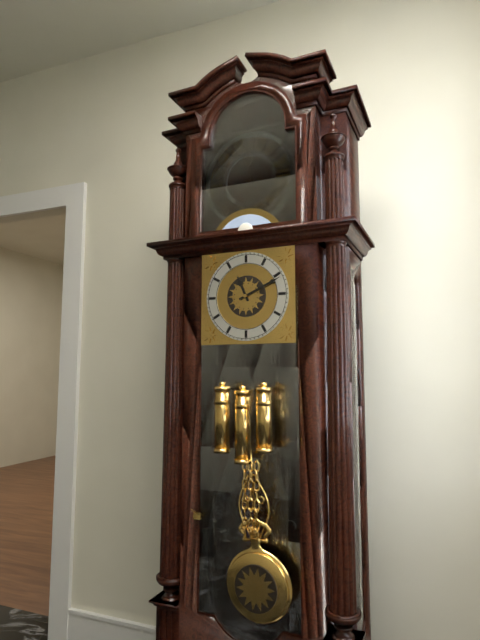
{"hour": 11, "minute": 11}
